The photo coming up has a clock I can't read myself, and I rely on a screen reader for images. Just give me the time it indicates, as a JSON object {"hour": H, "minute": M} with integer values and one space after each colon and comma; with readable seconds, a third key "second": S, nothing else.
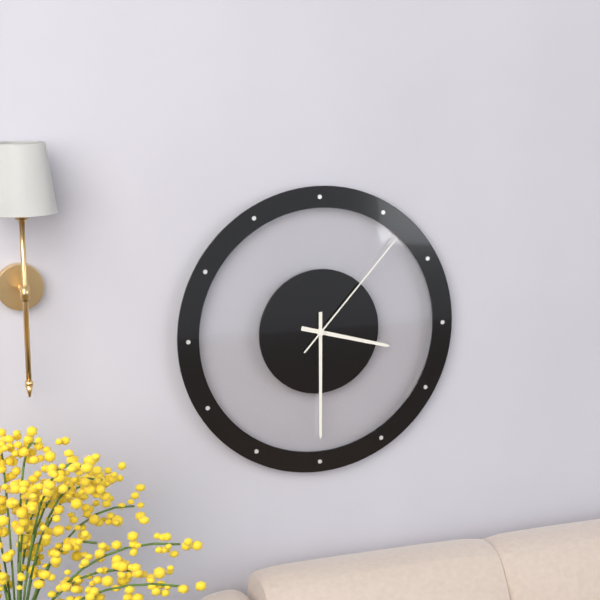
{"hour": 3, "minute": 30, "second": 7}
